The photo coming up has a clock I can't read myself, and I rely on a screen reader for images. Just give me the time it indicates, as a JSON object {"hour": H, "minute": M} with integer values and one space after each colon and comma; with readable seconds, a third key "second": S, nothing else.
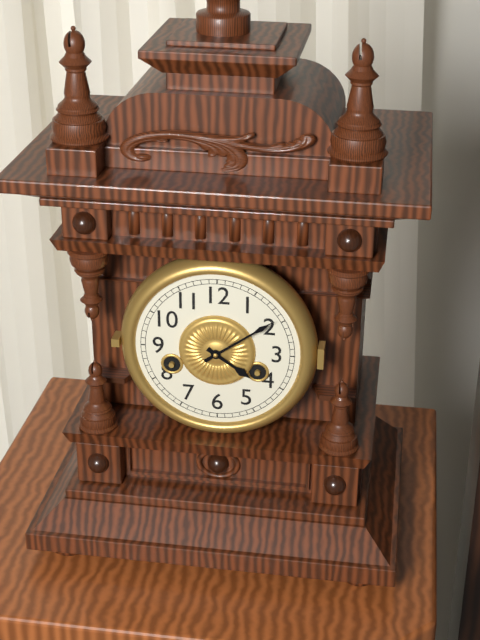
{"hour": 4, "minute": 9}
